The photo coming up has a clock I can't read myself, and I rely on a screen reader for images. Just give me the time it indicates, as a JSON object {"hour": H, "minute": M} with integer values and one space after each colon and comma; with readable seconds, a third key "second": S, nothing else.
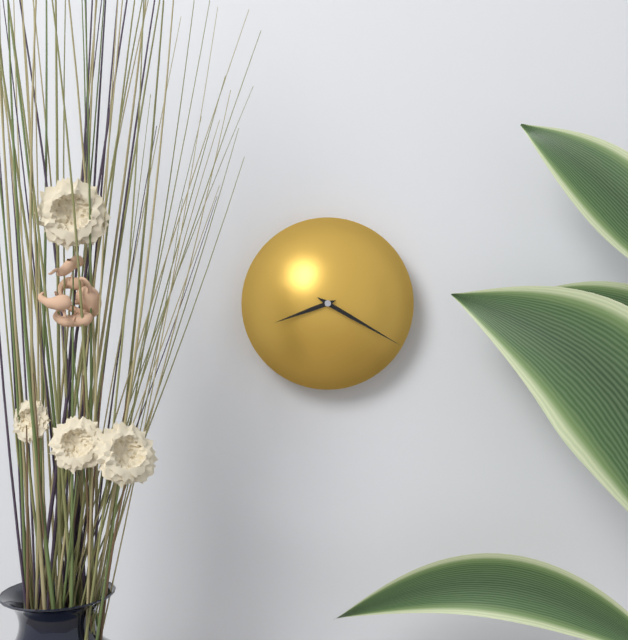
{"hour": 8, "minute": 20}
